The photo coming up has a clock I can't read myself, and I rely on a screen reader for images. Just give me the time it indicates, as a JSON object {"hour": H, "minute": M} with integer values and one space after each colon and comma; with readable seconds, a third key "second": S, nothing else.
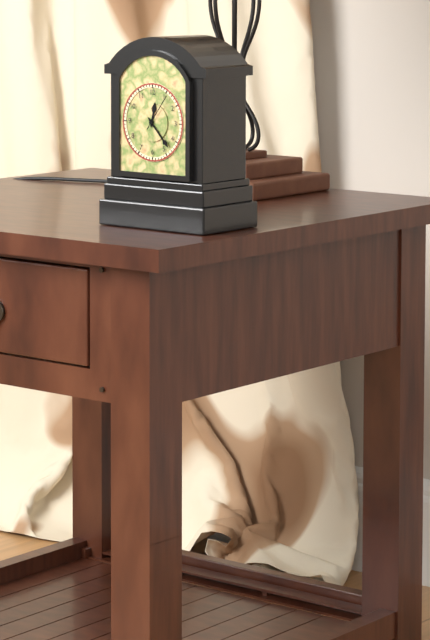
{"hour": 12, "minute": 23}
